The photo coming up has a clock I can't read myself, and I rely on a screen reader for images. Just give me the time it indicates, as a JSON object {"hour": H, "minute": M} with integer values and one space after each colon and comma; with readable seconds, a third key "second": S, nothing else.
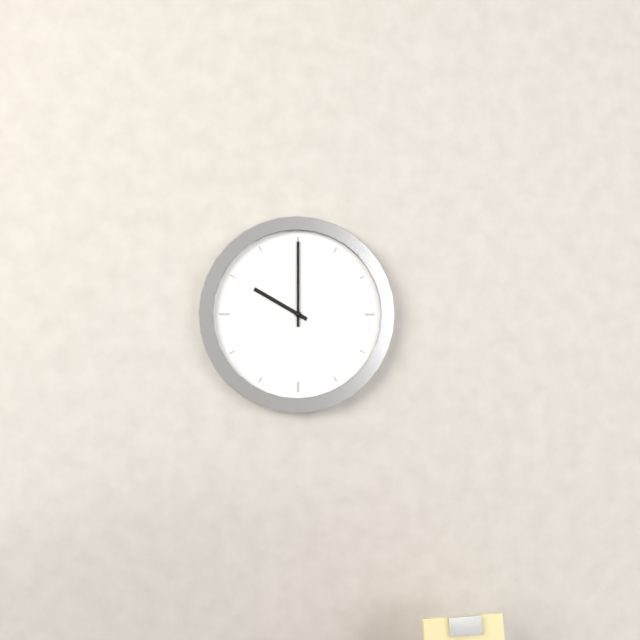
{"hour": 10, "minute": 0}
